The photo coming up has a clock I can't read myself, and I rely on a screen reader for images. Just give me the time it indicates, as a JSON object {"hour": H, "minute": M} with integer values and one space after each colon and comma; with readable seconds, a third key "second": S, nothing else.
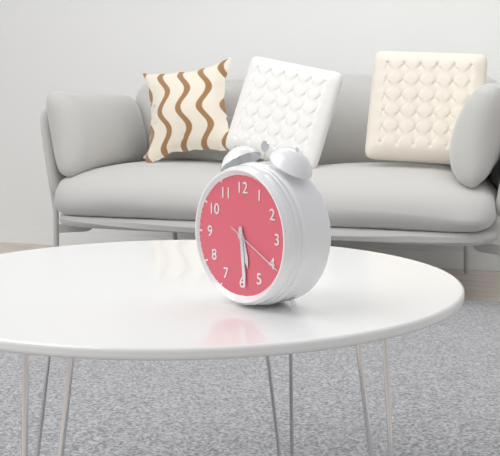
{"hour": 5, "minute": 29, "second": 20}
